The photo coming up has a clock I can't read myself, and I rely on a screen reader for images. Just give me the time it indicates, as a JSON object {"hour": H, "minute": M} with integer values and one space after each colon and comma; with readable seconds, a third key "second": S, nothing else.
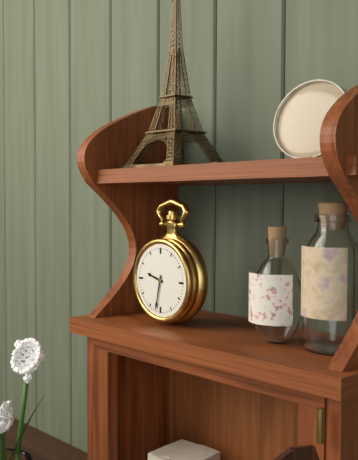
{"hour": 9, "minute": 32}
